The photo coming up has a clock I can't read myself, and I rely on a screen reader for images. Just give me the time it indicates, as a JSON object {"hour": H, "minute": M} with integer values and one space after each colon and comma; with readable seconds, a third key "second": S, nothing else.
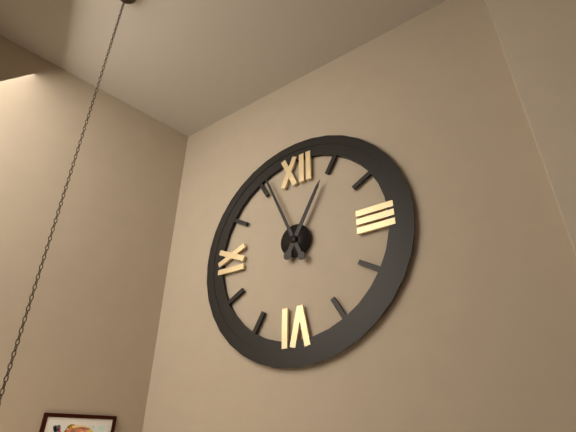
{"hour": 12, "minute": 56}
